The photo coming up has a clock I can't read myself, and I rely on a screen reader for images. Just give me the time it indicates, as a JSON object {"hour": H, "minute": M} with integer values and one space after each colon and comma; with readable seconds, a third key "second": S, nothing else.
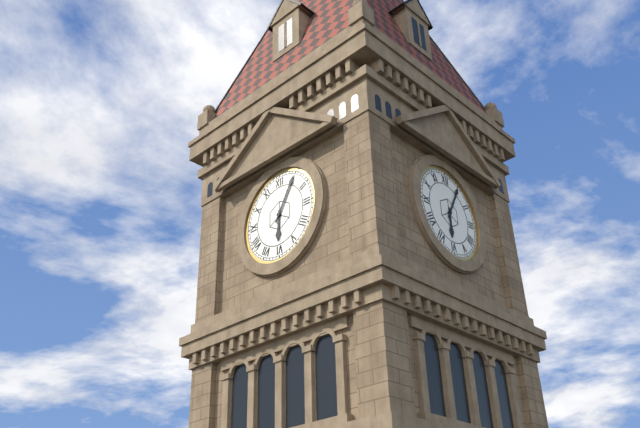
{"hour": 6, "minute": 5}
